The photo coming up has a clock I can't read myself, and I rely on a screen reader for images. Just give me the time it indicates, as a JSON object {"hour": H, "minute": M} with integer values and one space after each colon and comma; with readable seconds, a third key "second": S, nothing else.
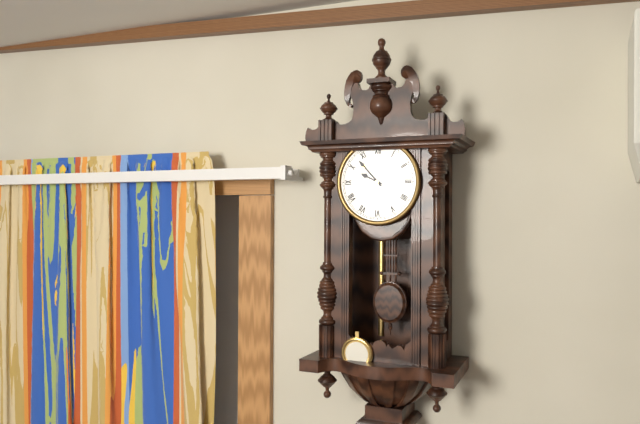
{"hour": 9, "minute": 53}
